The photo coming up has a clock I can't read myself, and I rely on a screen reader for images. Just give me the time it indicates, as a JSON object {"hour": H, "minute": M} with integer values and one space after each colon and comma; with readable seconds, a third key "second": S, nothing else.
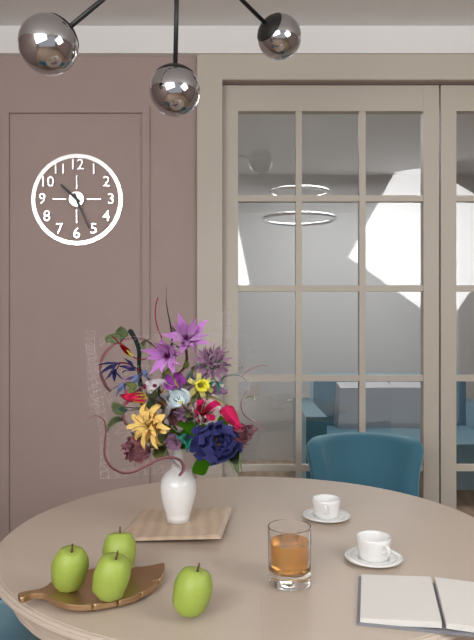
{"hour": 10, "minute": 26}
